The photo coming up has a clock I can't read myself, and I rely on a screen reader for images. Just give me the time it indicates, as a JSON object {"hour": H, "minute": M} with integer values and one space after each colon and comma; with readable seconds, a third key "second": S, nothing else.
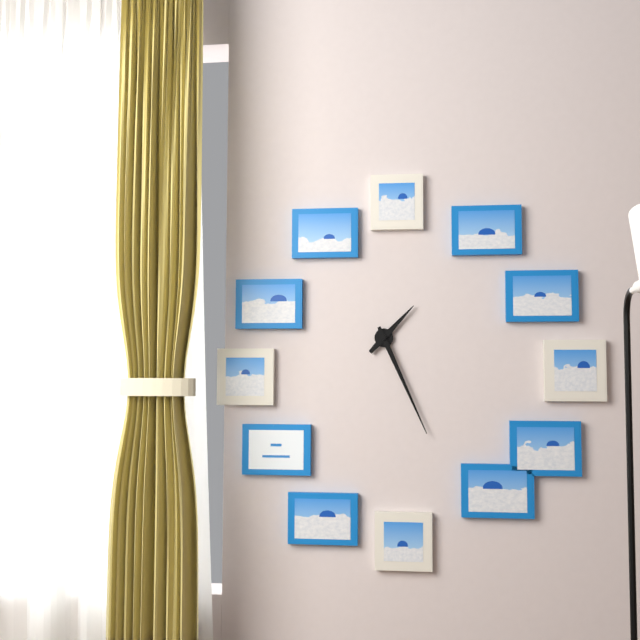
{"hour": 1, "minute": 26}
